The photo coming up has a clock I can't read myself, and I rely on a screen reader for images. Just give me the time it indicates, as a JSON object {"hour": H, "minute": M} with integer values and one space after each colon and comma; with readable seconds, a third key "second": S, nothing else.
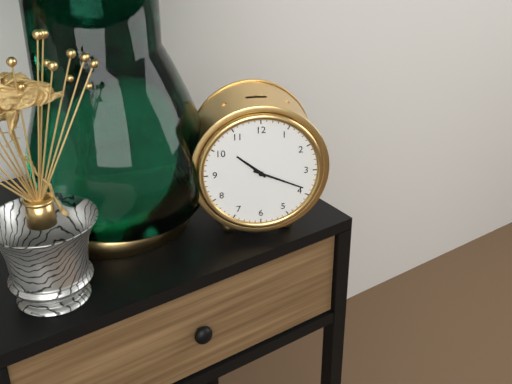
{"hour": 10, "minute": 19}
